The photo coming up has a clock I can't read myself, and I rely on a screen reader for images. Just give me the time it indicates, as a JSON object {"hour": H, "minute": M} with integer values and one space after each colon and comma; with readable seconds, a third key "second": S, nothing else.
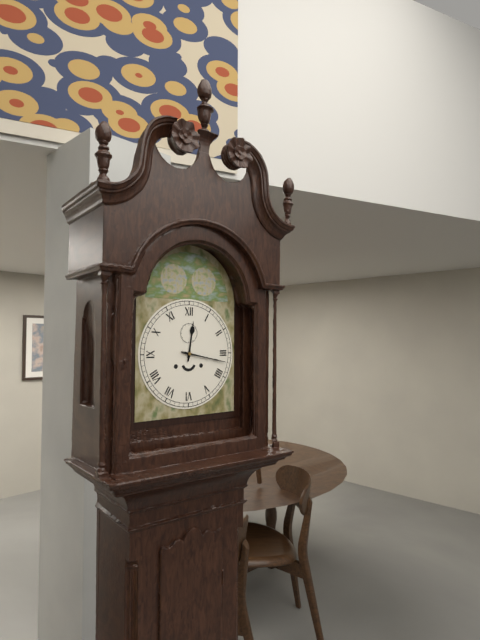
{"hour": 12, "minute": 17}
